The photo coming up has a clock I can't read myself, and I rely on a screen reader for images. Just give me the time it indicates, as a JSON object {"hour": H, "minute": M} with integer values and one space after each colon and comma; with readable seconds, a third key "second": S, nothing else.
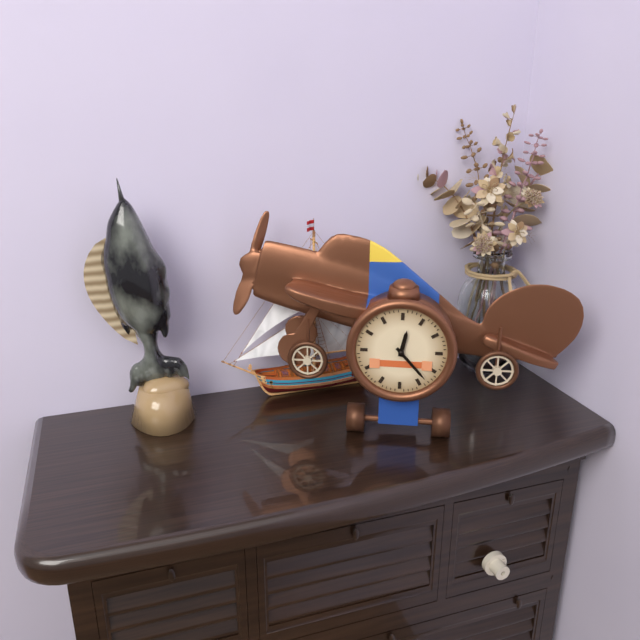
{"hour": 12, "minute": 23}
